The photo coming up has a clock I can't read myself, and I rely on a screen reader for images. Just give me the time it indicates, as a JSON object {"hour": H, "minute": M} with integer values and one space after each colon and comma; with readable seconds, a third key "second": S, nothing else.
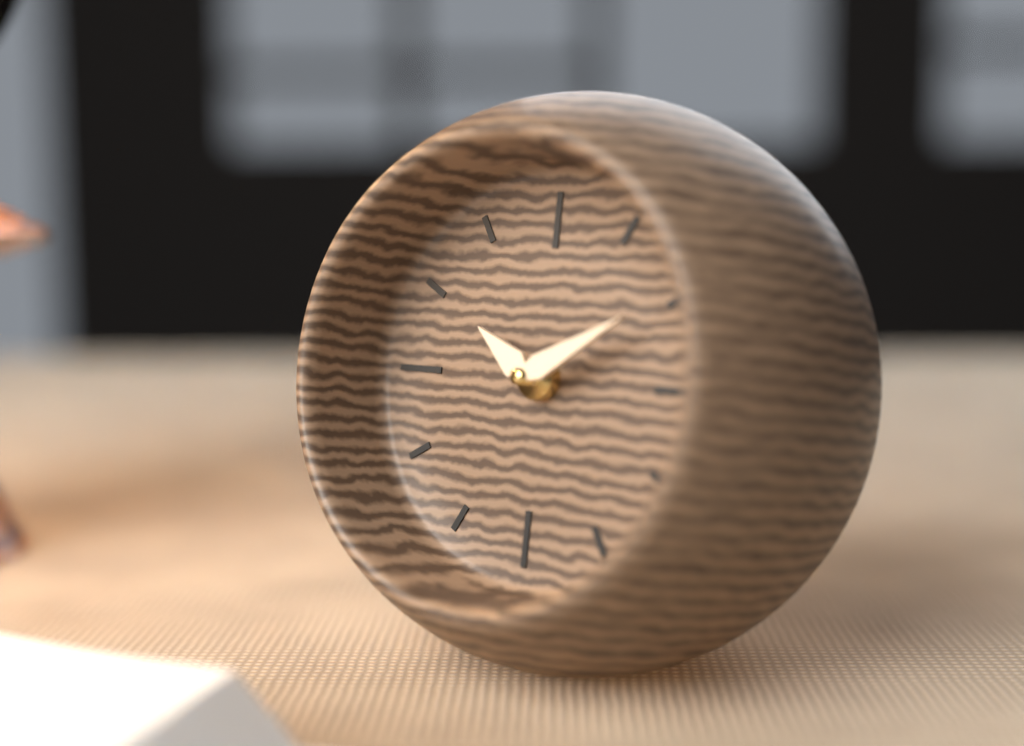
{"hour": 10, "minute": 10}
